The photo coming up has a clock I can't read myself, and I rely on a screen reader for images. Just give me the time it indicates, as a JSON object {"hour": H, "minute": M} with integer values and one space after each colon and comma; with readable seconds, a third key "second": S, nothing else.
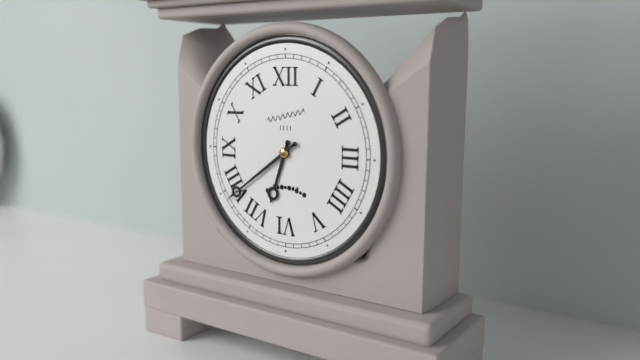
{"hour": 6, "minute": 39}
